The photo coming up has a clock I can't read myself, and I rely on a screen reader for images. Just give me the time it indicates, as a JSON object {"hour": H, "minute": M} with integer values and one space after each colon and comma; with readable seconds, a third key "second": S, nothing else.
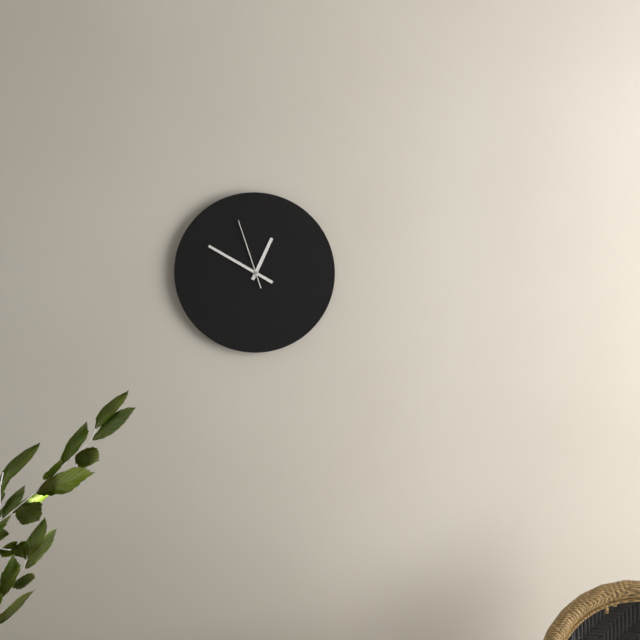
{"hour": 12, "minute": 50, "second": 57}
